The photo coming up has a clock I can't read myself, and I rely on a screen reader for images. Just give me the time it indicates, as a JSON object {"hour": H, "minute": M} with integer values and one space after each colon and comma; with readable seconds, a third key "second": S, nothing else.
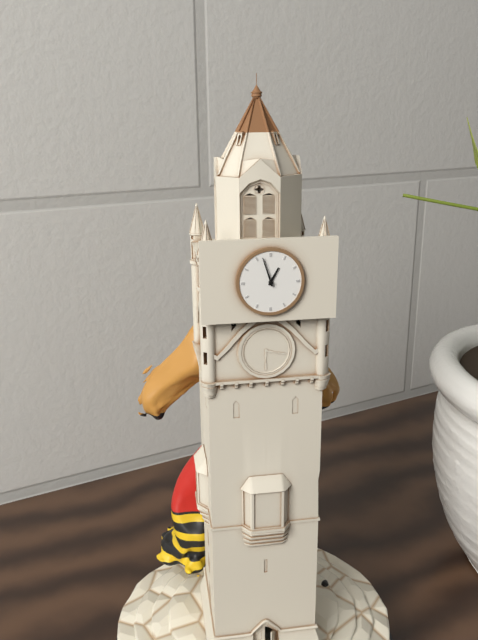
{"hour": 12, "minute": 57}
